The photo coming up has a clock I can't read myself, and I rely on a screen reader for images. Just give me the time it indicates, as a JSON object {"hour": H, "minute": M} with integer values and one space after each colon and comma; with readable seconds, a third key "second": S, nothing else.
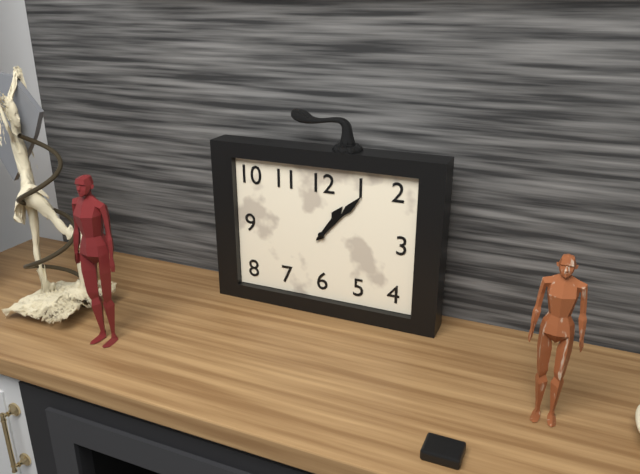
{"hour": 1, "minute": 7}
